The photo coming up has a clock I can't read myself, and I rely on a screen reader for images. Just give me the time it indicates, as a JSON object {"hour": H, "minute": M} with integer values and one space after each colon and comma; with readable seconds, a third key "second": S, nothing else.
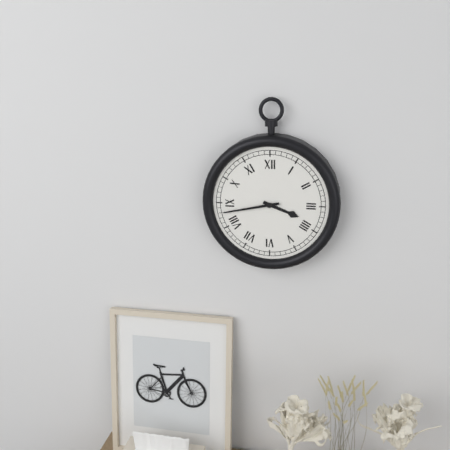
{"hour": 3, "minute": 43}
